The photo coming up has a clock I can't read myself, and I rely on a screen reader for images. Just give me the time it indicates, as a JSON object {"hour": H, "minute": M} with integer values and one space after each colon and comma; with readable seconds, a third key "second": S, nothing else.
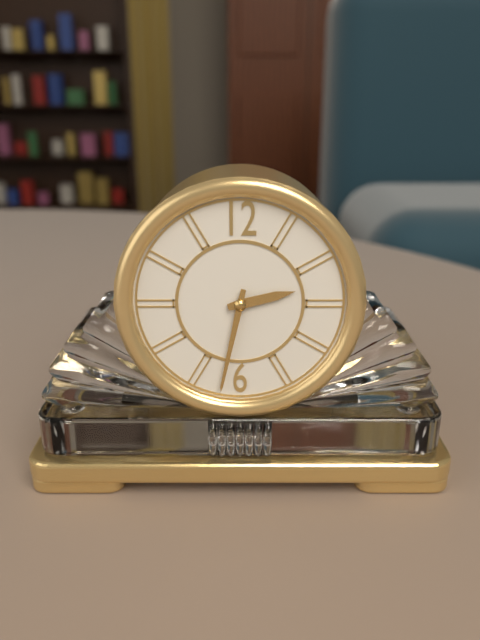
{"hour": 2, "minute": 32}
